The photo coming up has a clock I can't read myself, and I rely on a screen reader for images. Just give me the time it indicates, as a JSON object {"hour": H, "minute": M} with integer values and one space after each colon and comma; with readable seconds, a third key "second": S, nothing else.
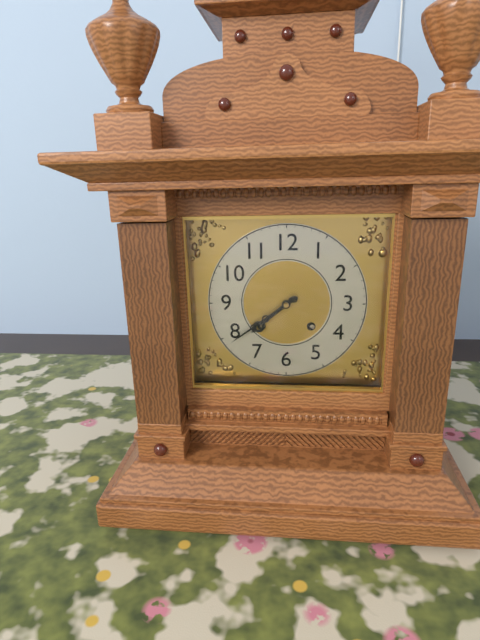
{"hour": 7, "minute": 39}
